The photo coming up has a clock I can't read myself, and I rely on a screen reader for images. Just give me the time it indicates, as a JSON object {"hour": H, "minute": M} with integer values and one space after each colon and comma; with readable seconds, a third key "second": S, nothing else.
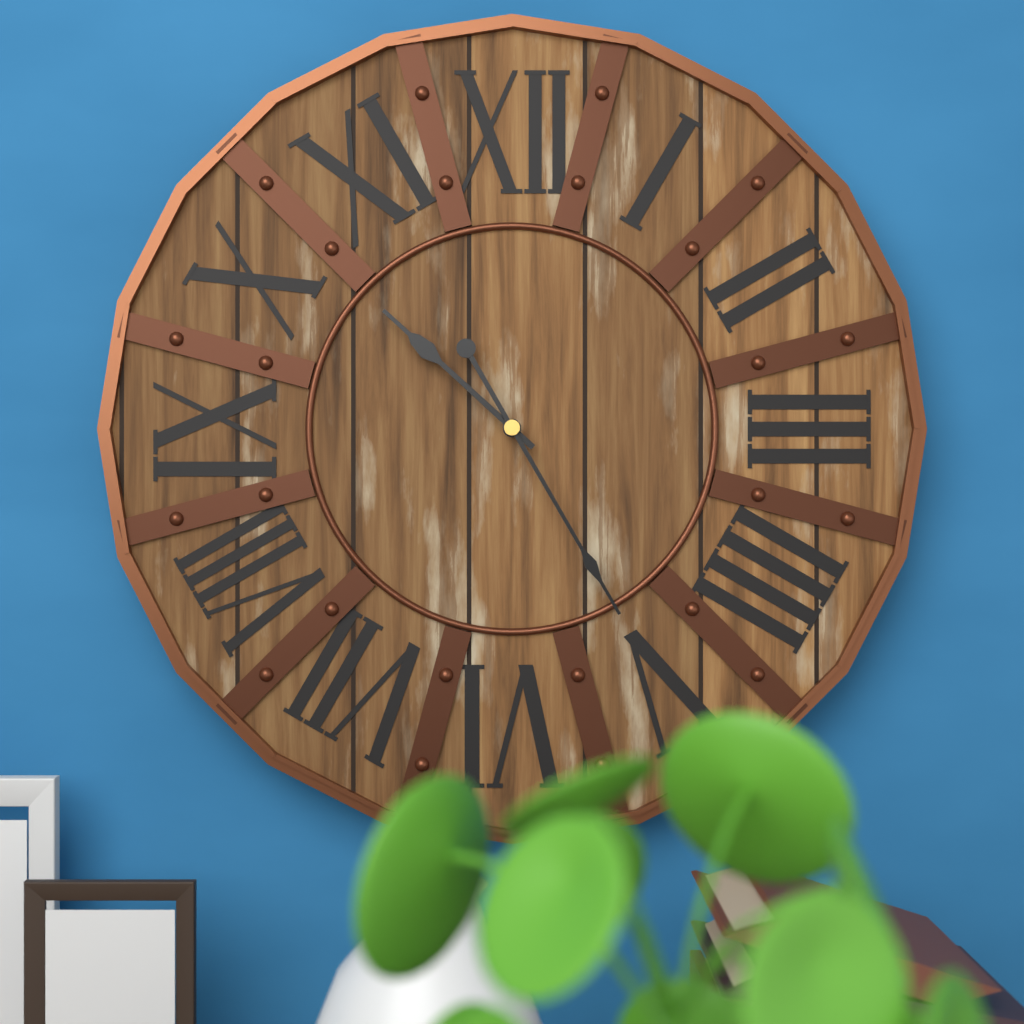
{"hour": 10, "minute": 25}
